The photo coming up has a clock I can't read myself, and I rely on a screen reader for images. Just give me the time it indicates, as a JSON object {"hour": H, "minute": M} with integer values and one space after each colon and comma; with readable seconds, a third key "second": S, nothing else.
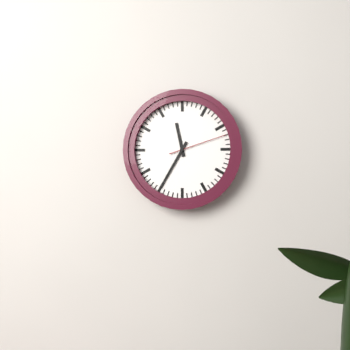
{"hour": 11, "minute": 35, "second": 12}
